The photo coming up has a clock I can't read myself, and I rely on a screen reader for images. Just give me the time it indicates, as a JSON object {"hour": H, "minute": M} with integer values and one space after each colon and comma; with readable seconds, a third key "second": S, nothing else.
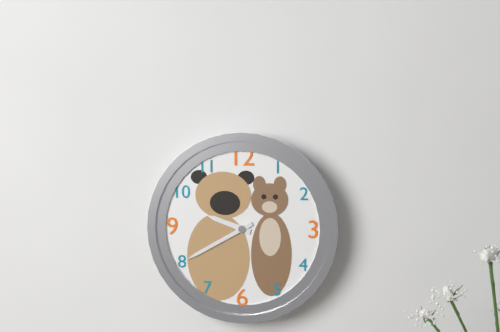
{"hour": 9, "minute": 40}
